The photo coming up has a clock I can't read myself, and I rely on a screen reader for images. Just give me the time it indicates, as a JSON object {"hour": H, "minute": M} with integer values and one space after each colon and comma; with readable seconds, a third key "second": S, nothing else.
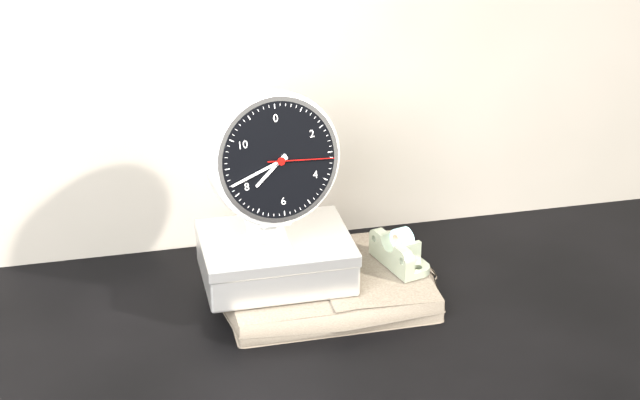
{"hour": 7, "minute": 42, "second": 16}
